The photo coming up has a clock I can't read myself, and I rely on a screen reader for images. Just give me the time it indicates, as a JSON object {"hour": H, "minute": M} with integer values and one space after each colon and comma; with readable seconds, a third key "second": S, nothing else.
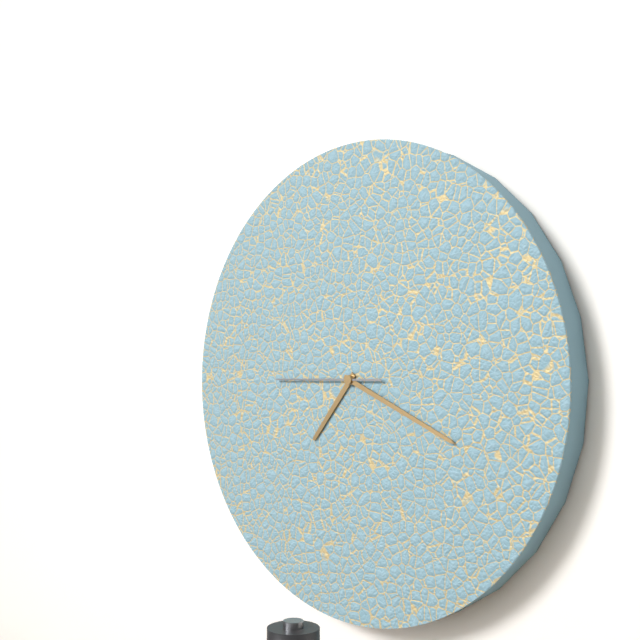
{"hour": 7, "minute": 19, "second": 45}
